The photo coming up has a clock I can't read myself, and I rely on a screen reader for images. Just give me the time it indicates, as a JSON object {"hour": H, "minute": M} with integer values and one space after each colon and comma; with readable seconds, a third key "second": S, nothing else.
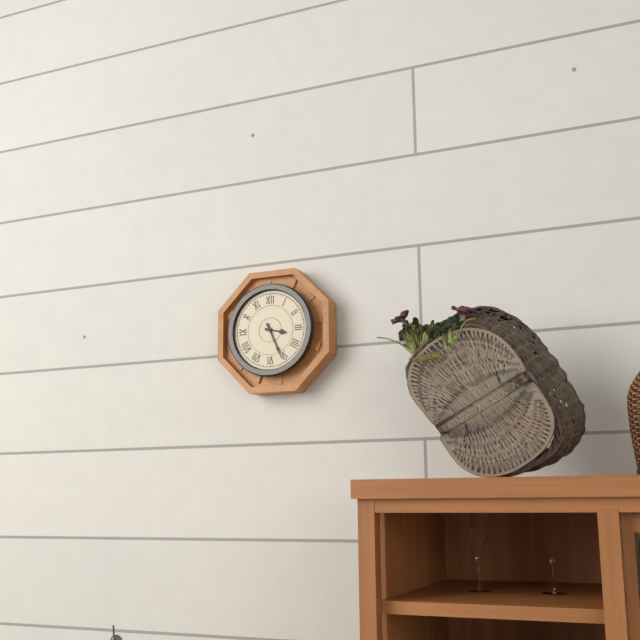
{"hour": 3, "minute": 26}
